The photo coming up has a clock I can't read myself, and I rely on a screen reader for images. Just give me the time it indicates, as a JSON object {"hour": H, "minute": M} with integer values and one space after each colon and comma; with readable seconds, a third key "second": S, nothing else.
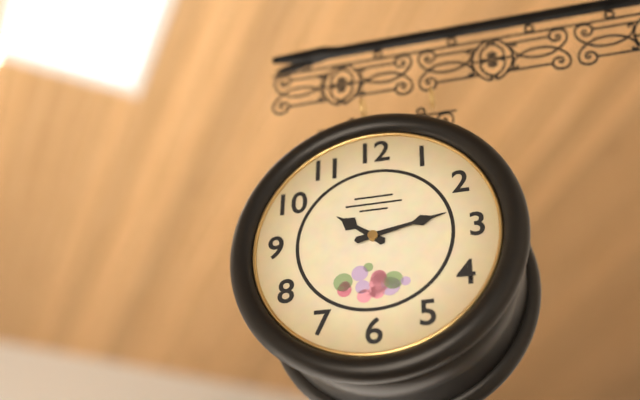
{"hour": 10, "minute": 13}
